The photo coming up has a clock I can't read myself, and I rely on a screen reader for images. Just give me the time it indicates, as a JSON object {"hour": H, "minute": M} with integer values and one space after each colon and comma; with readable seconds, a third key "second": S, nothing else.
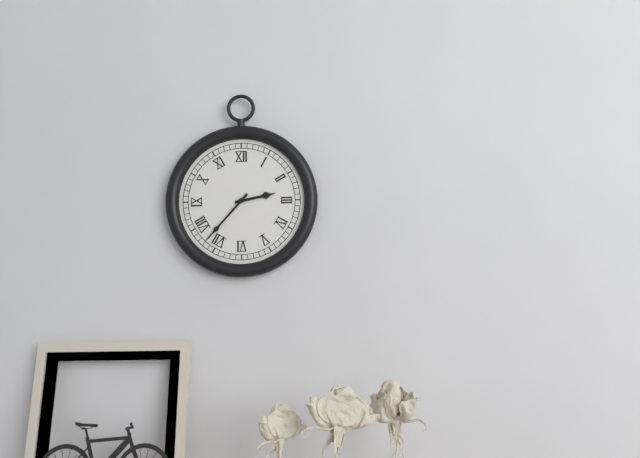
{"hour": 2, "minute": 37}
